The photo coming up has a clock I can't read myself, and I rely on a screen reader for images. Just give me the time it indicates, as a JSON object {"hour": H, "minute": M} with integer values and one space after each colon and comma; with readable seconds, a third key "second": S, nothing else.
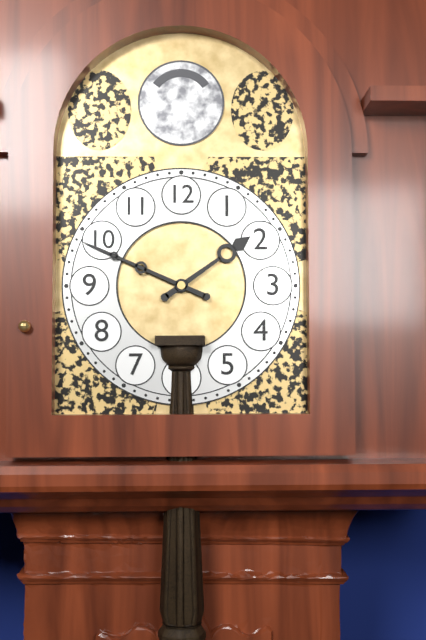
{"hour": 1, "minute": 49}
